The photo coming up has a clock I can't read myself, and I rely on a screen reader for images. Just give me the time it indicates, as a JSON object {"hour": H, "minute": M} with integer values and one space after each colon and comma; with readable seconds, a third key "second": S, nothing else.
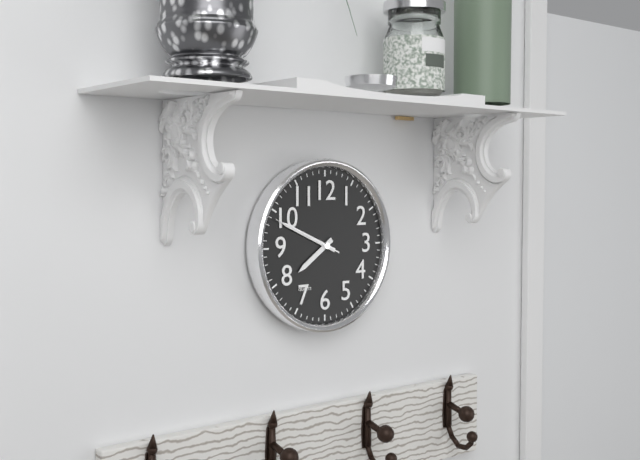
{"hour": 7, "minute": 49, "second": 49}
